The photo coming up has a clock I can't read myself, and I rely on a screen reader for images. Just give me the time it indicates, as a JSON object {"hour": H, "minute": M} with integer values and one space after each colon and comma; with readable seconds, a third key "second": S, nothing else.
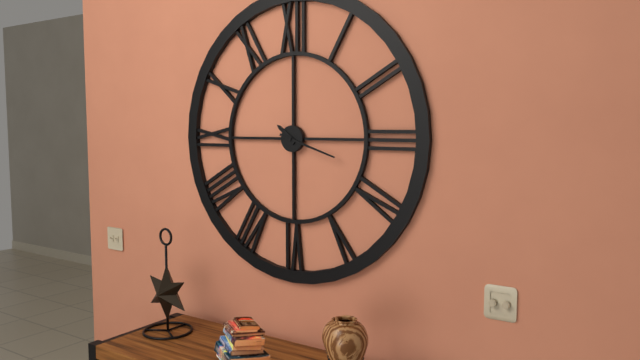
{"hour": 10, "minute": 18}
